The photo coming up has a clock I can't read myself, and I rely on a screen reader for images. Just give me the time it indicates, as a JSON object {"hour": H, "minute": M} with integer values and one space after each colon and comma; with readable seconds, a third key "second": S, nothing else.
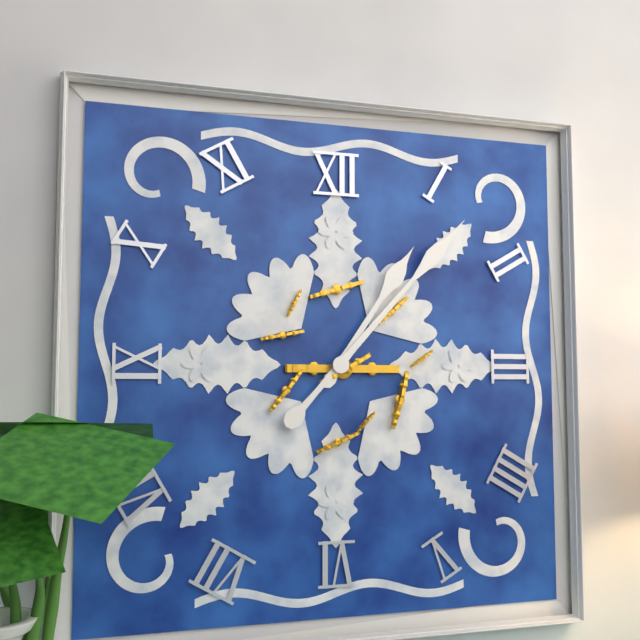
{"hour": 1, "minute": 7}
